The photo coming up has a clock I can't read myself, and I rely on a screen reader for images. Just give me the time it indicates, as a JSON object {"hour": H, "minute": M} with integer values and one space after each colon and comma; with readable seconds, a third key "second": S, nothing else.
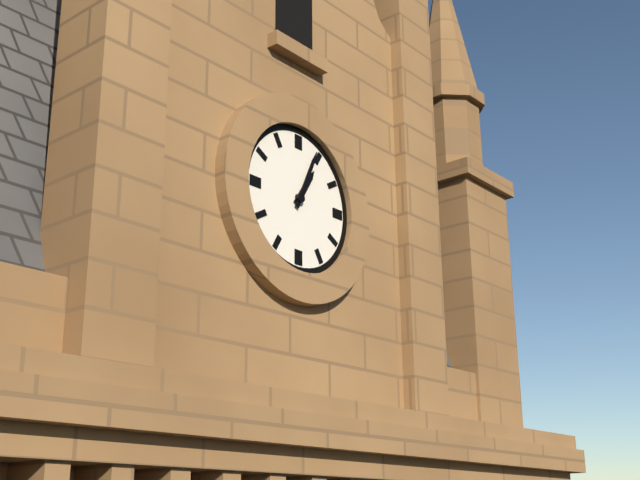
{"hour": 1, "minute": 4}
